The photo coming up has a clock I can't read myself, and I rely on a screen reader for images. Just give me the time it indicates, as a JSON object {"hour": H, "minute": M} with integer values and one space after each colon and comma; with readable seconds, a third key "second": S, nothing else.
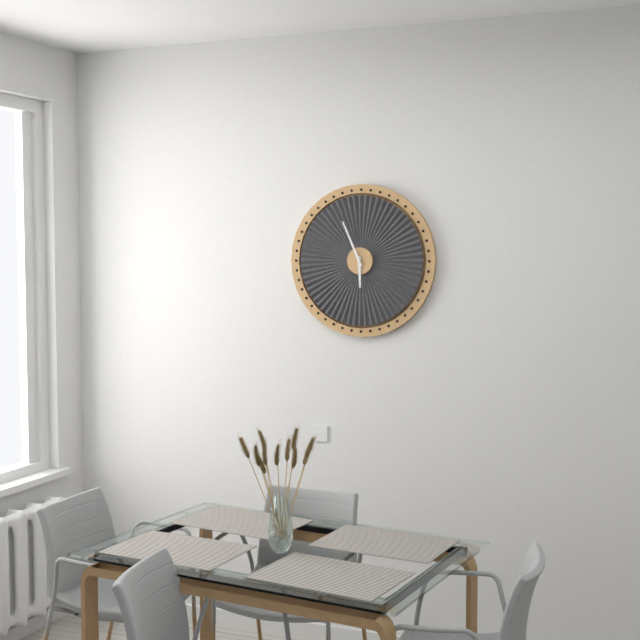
{"hour": 5, "minute": 56}
